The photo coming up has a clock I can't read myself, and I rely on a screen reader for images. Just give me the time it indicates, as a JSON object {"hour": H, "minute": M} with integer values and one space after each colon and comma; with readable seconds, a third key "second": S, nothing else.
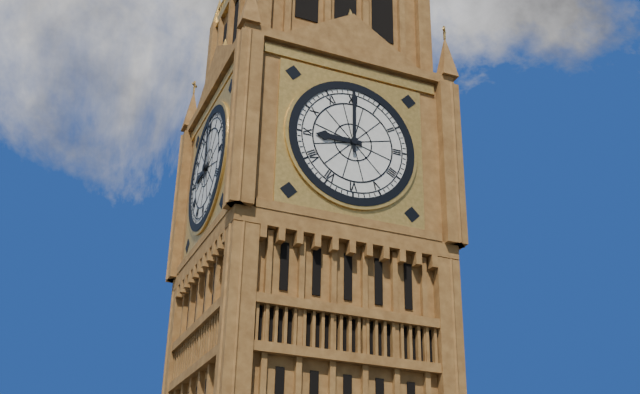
{"hour": 9, "minute": 0}
